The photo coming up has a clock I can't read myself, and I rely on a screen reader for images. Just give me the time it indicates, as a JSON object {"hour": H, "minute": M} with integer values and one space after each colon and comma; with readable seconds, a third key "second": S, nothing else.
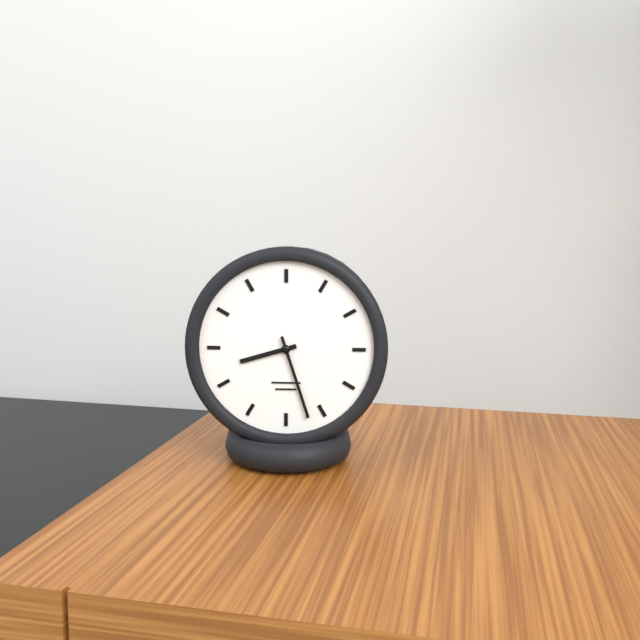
{"hour": 8, "minute": 27}
